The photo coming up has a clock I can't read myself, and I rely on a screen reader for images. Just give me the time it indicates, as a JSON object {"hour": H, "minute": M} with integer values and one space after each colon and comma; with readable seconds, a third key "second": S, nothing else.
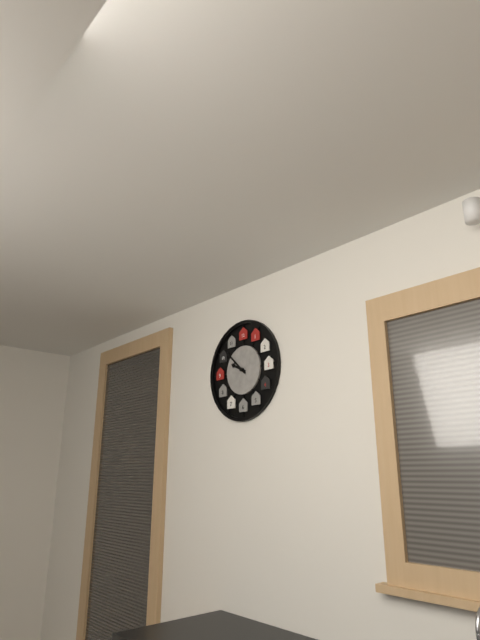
{"hour": 9, "minute": 52}
